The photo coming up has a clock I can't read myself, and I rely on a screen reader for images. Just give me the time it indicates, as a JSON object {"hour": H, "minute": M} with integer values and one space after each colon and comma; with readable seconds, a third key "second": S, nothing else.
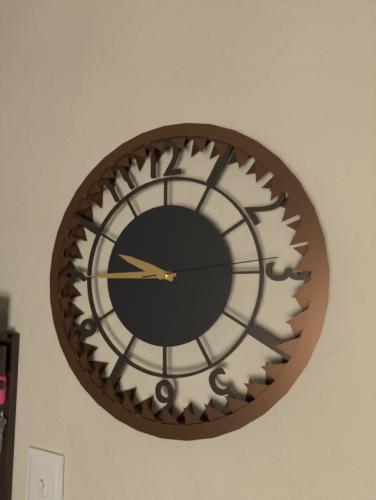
{"hour": 9, "minute": 45, "second": 14}
